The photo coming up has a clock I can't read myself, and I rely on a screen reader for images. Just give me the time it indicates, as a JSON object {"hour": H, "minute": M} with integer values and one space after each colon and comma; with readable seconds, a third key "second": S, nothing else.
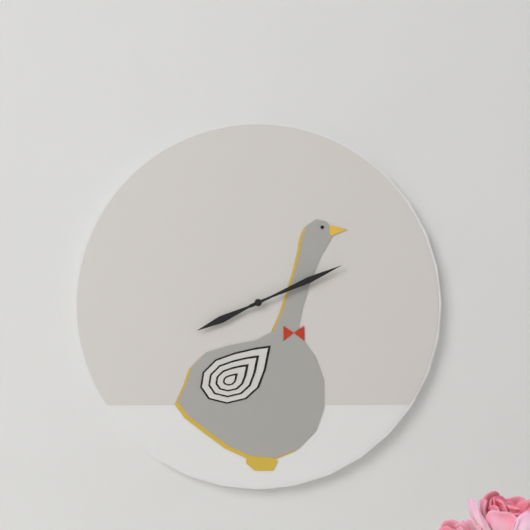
{"hour": 8, "minute": 11}
